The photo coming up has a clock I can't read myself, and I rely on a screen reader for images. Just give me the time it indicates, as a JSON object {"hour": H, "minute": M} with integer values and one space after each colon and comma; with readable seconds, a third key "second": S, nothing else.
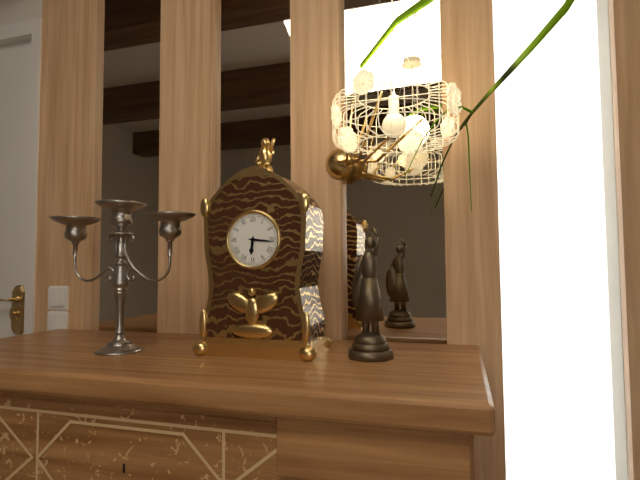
{"hour": 6, "minute": 16}
